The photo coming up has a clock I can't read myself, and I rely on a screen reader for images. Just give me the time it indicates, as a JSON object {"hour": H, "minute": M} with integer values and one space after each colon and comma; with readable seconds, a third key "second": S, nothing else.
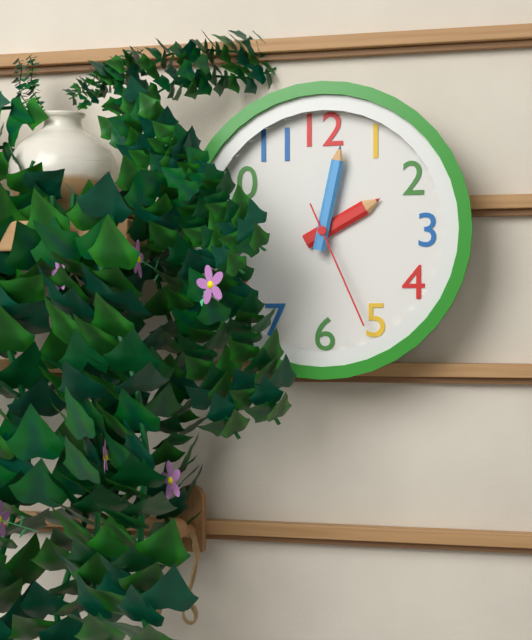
{"hour": 2, "minute": 2, "second": 26}
